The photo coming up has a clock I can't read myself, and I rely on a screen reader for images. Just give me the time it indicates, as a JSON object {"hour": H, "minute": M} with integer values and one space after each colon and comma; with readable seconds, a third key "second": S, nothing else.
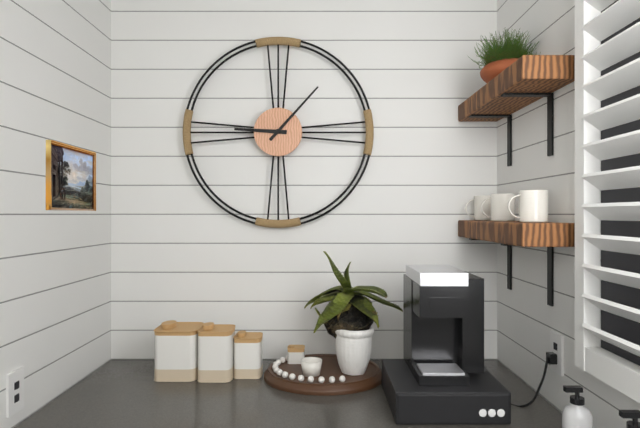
{"hour": 9, "minute": 7}
